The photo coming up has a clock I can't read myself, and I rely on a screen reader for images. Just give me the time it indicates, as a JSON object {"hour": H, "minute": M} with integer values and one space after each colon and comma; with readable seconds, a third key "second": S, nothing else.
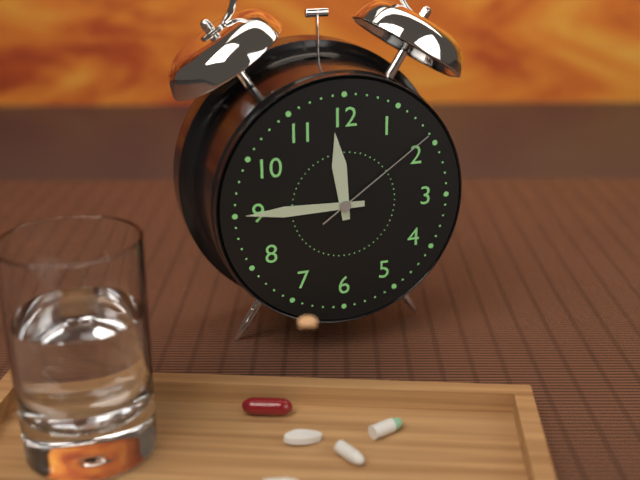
{"hour": 11, "minute": 45, "second": 9}
